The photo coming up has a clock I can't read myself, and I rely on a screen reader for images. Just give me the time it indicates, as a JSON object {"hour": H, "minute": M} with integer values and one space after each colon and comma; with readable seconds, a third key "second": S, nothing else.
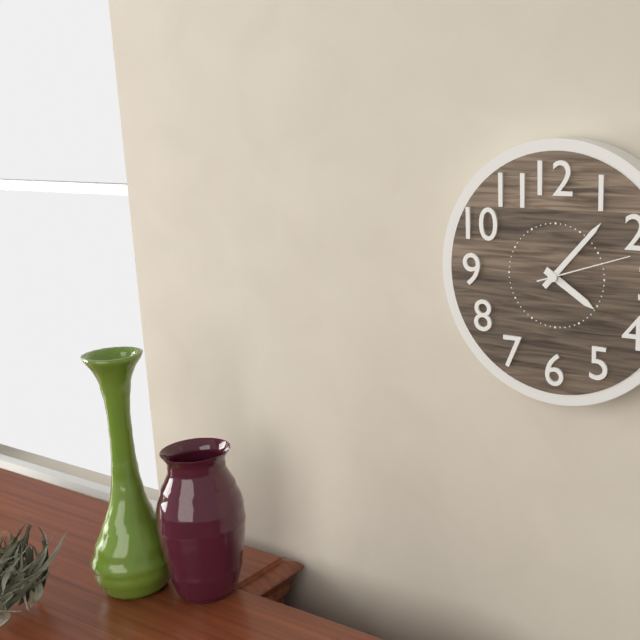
{"hour": 4, "minute": 7, "second": 12}
